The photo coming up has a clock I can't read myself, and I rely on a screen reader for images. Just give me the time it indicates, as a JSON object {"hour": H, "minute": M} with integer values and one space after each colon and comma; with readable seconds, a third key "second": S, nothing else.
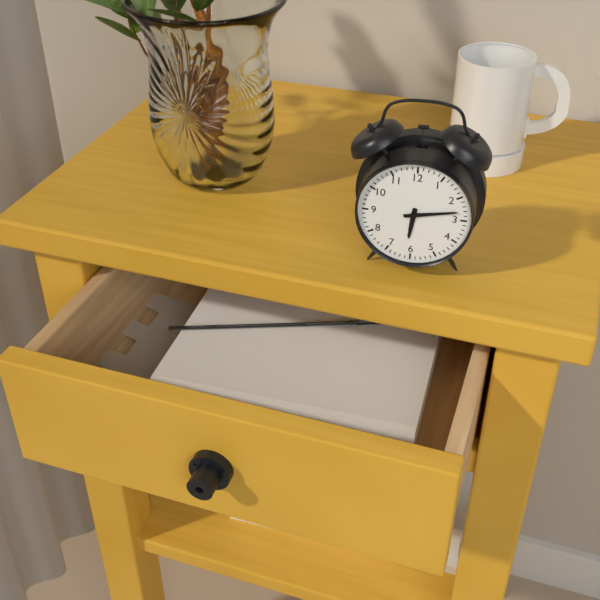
{"hour": 6, "minute": 13}
